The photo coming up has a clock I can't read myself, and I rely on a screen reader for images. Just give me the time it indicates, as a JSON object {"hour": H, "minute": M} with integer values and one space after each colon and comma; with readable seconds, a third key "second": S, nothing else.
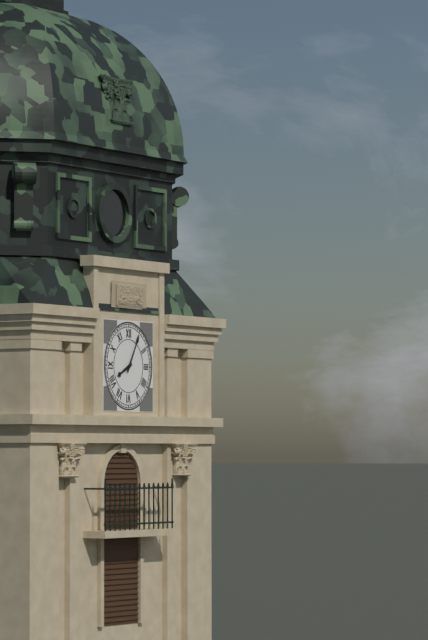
{"hour": 8, "minute": 5}
